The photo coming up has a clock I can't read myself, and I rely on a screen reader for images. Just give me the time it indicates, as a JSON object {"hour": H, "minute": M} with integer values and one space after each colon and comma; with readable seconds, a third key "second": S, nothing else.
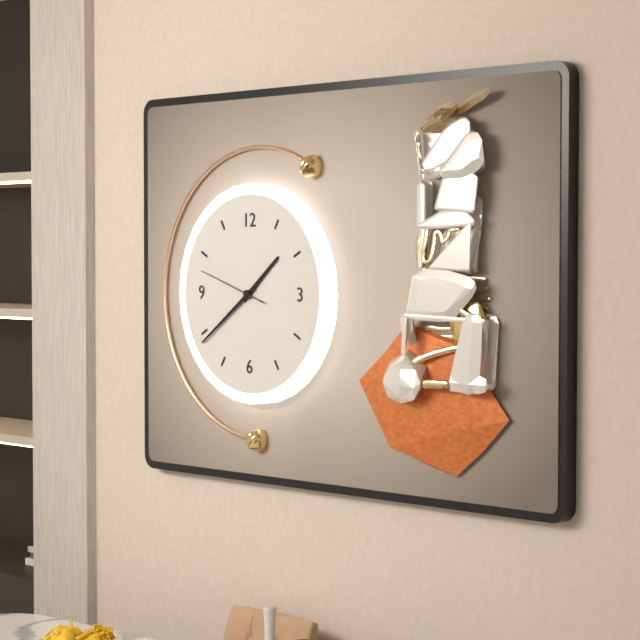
{"hour": 1, "minute": 39, "second": 48}
